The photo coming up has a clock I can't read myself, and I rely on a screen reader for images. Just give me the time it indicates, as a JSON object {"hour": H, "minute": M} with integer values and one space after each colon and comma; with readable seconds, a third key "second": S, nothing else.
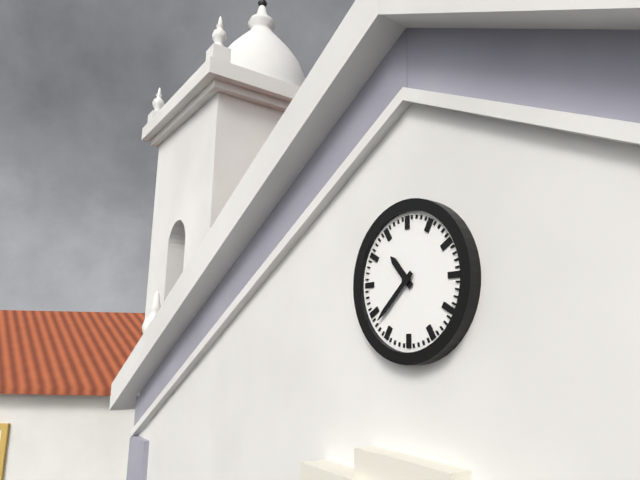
{"hour": 10, "minute": 38}
